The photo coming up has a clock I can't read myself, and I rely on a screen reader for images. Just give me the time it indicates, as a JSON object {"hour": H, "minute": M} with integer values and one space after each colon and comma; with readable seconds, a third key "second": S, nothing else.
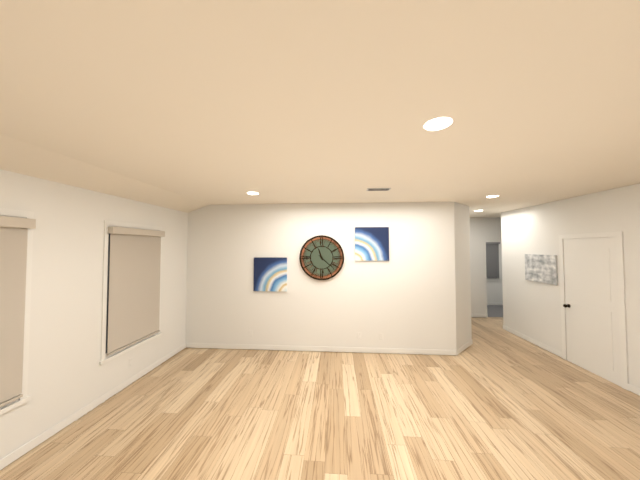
{"hour": 11, "minute": 22}
